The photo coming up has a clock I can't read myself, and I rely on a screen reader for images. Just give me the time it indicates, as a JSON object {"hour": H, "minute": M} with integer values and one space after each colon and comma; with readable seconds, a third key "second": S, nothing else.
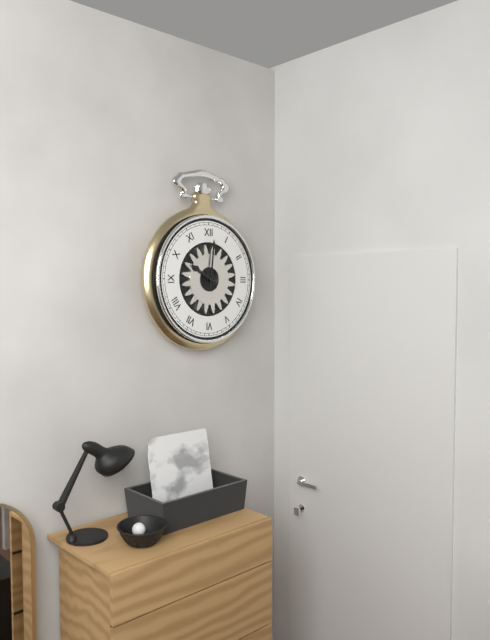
{"hour": 10, "minute": 1}
